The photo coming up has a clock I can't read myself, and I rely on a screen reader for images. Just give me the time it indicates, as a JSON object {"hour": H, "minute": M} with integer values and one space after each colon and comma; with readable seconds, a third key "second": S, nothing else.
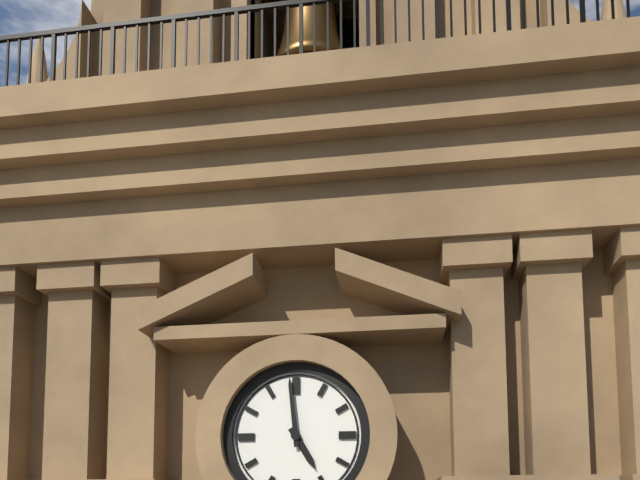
{"hour": 4, "minute": 59}
